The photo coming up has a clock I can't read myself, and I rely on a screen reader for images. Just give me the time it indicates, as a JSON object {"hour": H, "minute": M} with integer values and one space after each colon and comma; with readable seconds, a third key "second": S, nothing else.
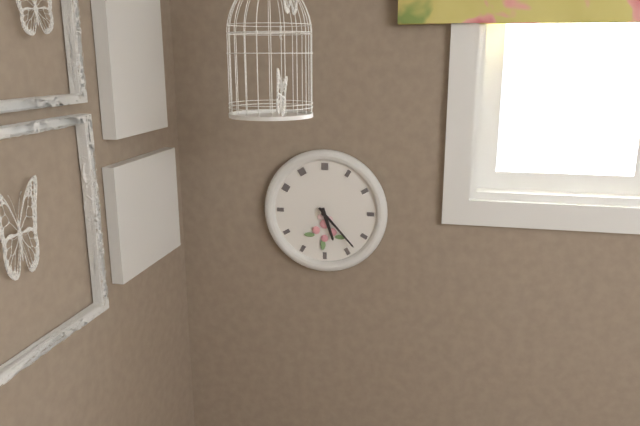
{"hour": 5, "minute": 23}
